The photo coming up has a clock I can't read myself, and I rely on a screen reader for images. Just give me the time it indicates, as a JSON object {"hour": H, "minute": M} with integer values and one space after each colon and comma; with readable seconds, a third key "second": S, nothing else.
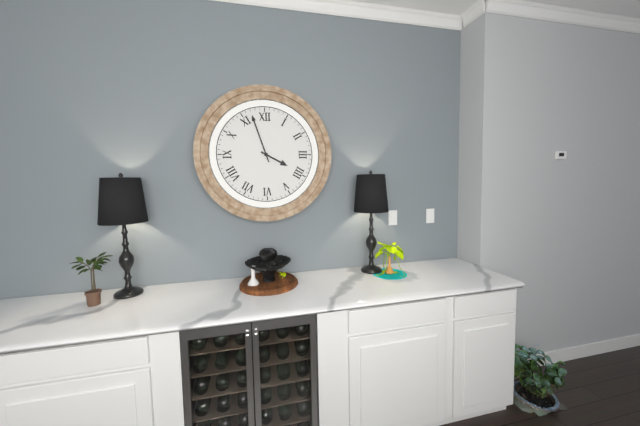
{"hour": 3, "minute": 57}
